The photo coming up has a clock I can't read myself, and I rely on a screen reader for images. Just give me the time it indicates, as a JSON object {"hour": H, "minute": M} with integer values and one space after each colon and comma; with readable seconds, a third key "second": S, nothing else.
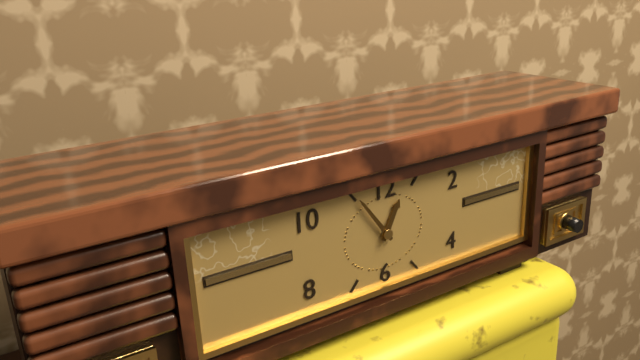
{"hour": 12, "minute": 54}
